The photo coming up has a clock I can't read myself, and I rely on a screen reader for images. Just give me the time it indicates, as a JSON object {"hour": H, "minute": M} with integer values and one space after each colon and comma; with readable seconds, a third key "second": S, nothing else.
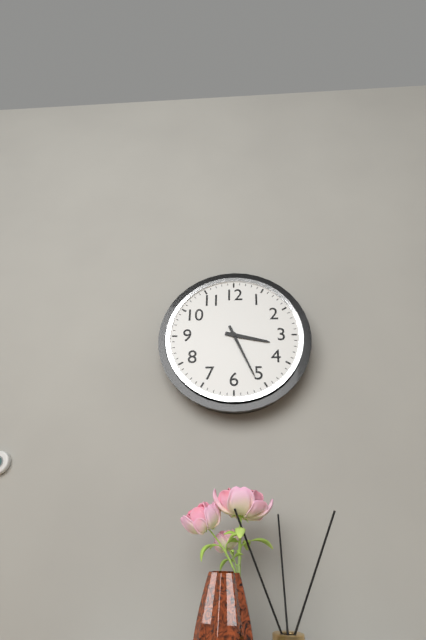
{"hour": 3, "minute": 26}
